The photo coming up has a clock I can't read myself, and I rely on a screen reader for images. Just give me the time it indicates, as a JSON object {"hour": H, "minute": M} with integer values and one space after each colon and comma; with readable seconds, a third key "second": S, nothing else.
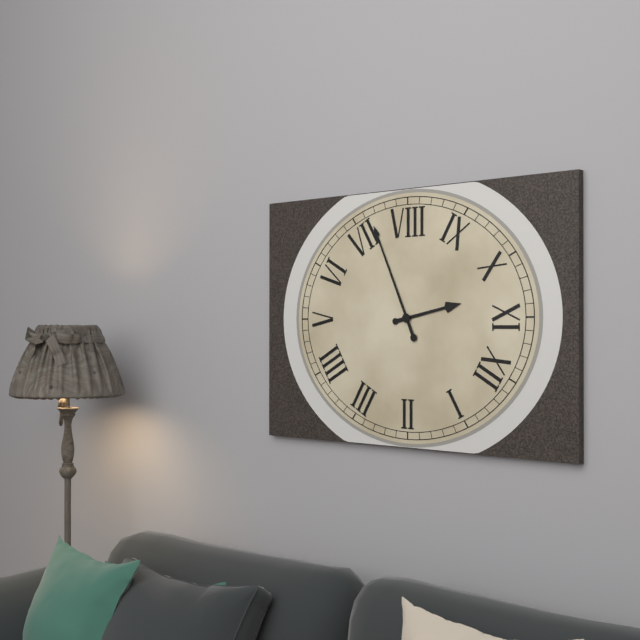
{"hour": 10, "minute": 36}
